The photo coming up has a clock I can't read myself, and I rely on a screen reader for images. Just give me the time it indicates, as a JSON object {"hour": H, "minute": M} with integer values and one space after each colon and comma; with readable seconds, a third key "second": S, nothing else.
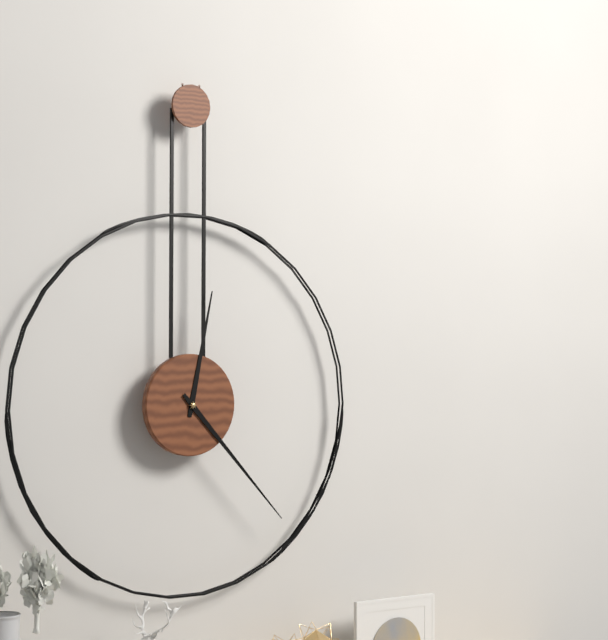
{"hour": 12, "minute": 23}
